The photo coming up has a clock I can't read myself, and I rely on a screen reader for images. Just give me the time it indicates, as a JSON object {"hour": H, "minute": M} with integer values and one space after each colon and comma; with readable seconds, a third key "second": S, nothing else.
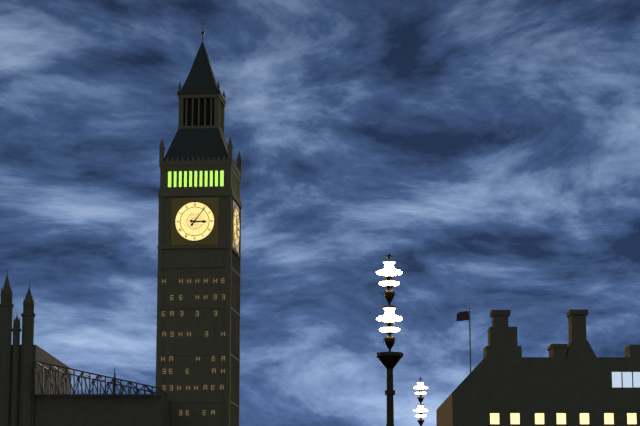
{"hour": 3, "minute": 6}
